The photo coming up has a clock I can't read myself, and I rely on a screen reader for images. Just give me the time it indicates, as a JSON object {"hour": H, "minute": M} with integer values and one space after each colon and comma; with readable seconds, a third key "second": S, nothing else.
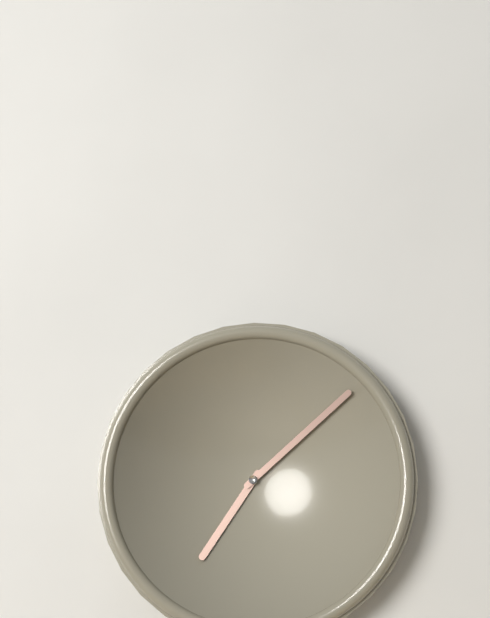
{"hour": 7, "minute": 8}
